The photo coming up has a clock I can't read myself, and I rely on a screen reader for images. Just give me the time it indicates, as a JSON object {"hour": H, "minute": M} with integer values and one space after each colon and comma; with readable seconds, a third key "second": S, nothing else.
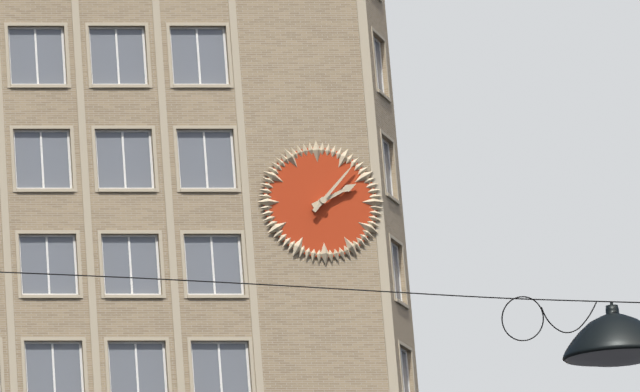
{"hour": 2, "minute": 7}
